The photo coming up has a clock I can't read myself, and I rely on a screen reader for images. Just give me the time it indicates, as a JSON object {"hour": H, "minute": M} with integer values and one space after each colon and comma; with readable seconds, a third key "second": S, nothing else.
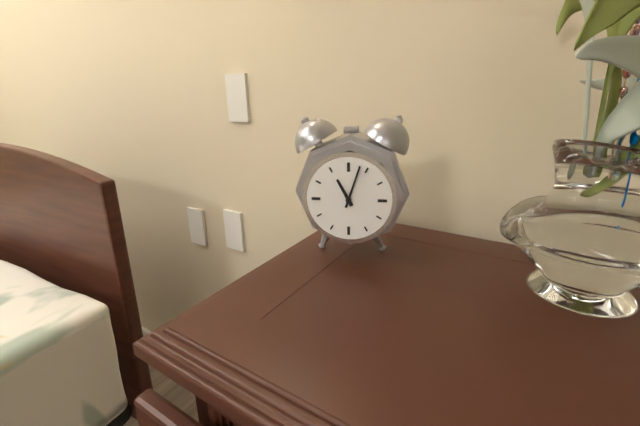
{"hour": 11, "minute": 3}
